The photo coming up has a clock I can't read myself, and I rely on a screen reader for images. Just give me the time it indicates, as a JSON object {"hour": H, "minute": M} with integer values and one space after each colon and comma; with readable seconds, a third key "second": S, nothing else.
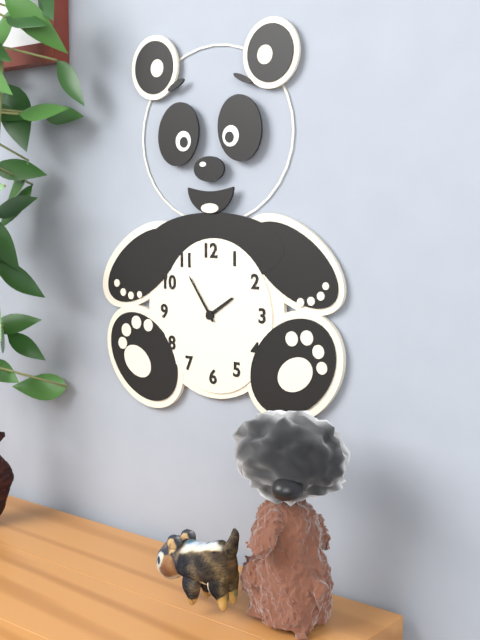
{"hour": 1, "minute": 54}
